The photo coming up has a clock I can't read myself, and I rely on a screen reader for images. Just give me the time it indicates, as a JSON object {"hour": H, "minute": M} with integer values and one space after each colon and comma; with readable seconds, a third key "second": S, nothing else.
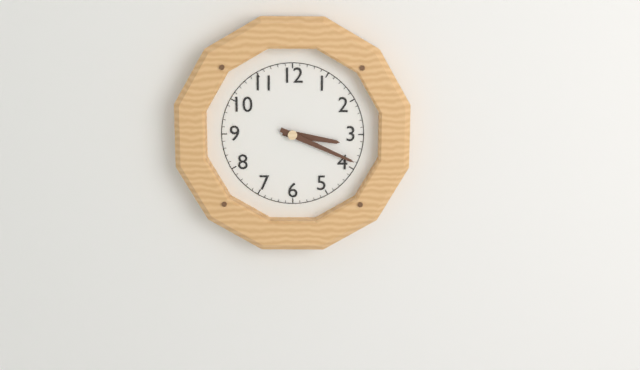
{"hour": 3, "minute": 19}
